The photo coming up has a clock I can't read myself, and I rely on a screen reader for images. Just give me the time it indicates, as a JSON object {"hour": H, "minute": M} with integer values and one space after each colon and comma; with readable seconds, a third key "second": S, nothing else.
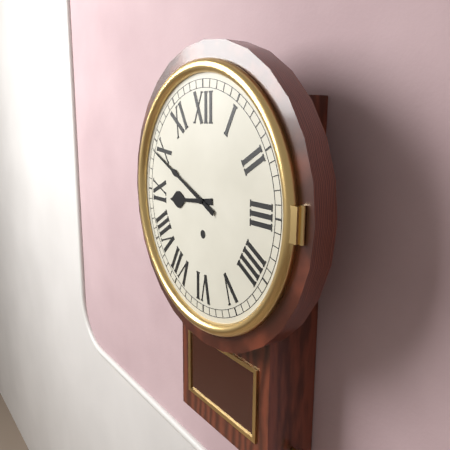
{"hour": 8, "minute": 49}
